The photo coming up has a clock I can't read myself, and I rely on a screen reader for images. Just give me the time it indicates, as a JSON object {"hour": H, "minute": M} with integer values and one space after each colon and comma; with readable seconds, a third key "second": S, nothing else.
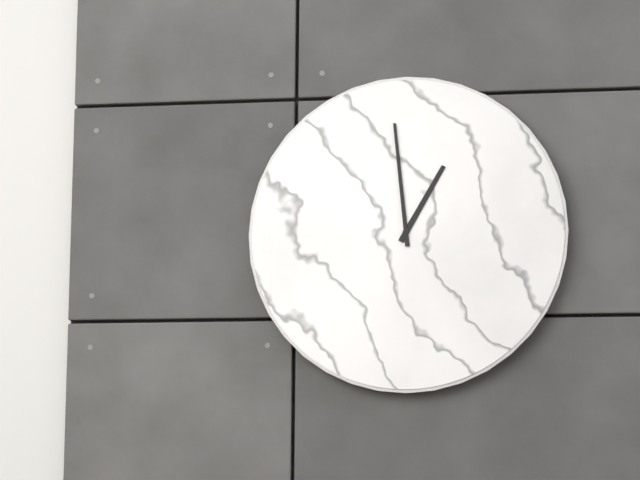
{"hour": 12, "minute": 59}
